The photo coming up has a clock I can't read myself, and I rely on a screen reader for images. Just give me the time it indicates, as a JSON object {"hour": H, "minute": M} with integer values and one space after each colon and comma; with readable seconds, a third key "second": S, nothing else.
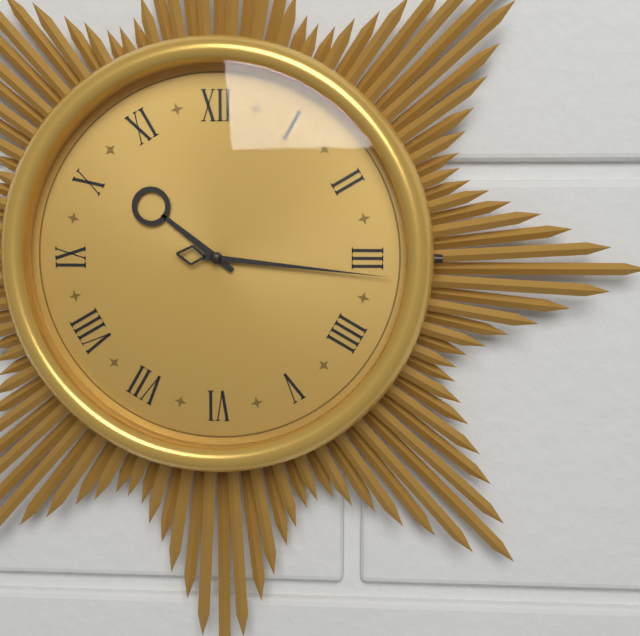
{"hour": 10, "minute": 16}
